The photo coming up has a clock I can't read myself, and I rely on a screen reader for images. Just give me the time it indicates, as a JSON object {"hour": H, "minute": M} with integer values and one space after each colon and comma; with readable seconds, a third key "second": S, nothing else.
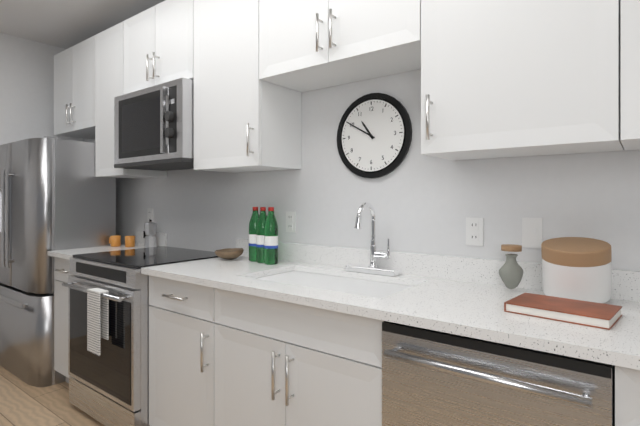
{"hour": 10, "minute": 50}
